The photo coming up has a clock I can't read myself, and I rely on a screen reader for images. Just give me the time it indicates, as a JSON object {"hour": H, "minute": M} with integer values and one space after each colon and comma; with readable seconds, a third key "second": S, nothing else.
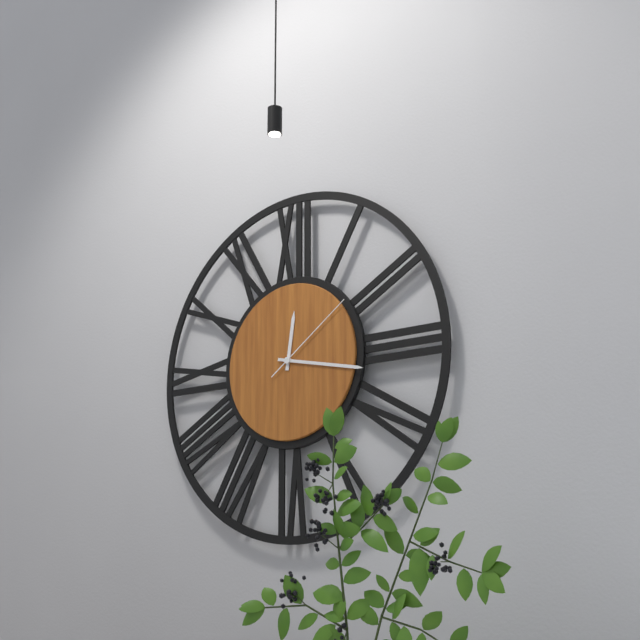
{"hour": 12, "minute": 17, "second": 9}
